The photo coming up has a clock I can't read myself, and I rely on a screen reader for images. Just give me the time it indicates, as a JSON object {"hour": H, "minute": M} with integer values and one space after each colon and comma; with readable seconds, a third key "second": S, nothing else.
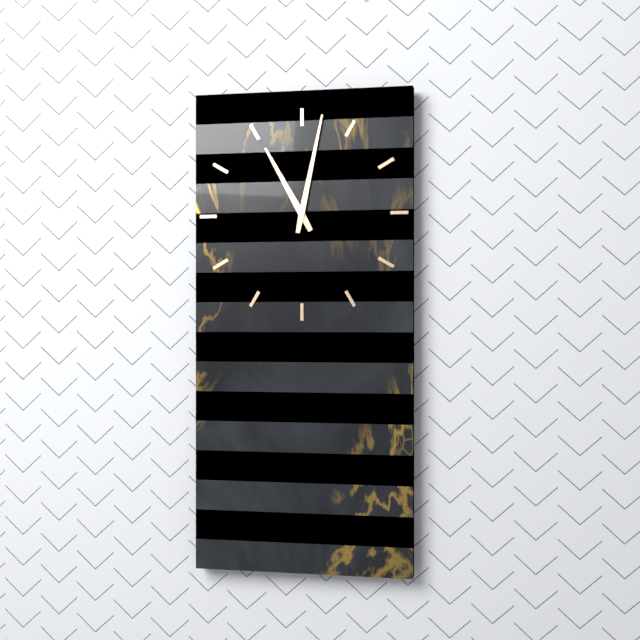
{"hour": 11, "minute": 2}
